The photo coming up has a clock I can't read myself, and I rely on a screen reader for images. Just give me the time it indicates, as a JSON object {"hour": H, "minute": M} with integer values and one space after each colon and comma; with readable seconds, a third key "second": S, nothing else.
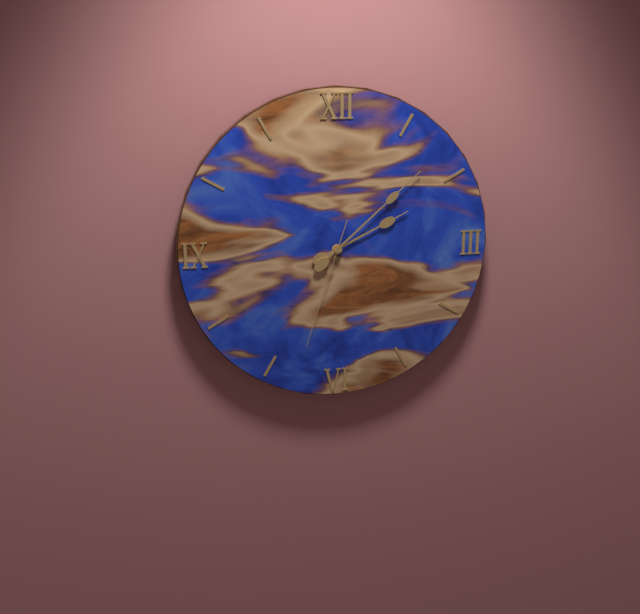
{"hour": 2, "minute": 8, "second": 33}
